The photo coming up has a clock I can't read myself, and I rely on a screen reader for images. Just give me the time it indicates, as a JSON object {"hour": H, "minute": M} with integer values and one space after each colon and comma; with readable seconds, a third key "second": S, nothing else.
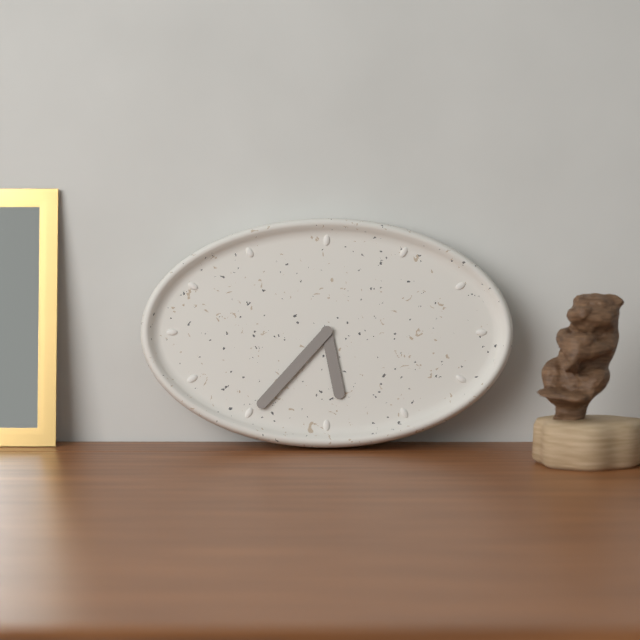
{"hour": 5, "minute": 37}
